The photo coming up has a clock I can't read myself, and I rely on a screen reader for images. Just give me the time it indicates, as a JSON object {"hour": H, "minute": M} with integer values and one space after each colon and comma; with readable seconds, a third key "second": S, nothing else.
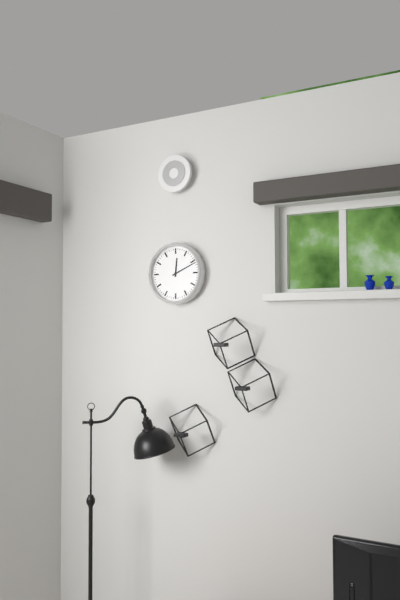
{"hour": 12, "minute": 11}
